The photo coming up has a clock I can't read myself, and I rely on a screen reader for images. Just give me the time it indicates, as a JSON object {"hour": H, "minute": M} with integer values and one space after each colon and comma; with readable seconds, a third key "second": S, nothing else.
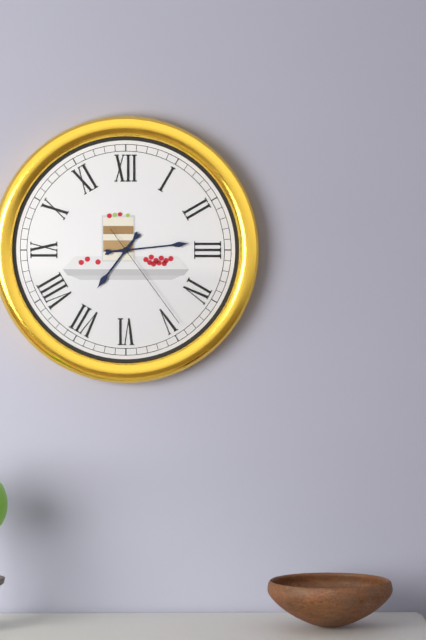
{"hour": 7, "minute": 14, "second": 24}
